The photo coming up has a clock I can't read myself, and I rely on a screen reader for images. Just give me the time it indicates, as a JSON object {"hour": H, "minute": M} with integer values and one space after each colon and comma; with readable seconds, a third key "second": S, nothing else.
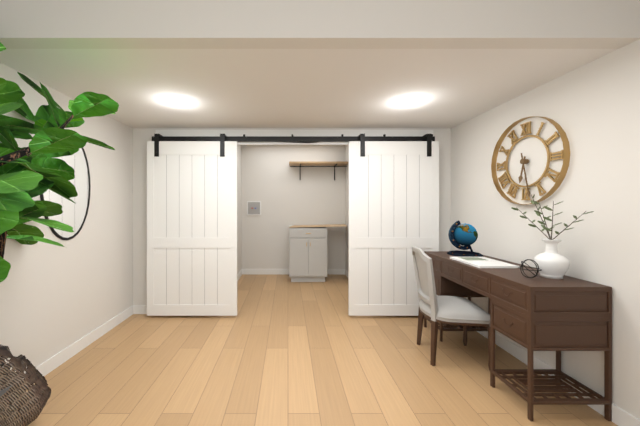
{"hour": 6, "minute": 28}
